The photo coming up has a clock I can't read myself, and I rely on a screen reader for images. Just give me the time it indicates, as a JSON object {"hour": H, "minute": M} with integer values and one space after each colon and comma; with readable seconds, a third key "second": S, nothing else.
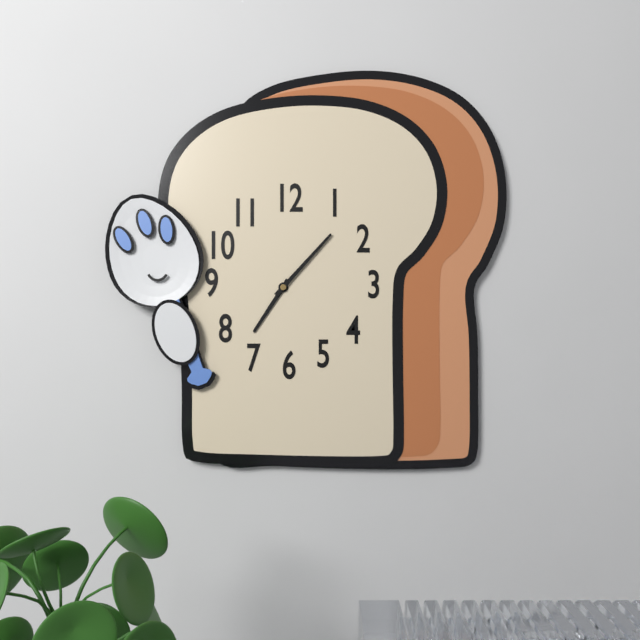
{"hour": 7, "minute": 7}
